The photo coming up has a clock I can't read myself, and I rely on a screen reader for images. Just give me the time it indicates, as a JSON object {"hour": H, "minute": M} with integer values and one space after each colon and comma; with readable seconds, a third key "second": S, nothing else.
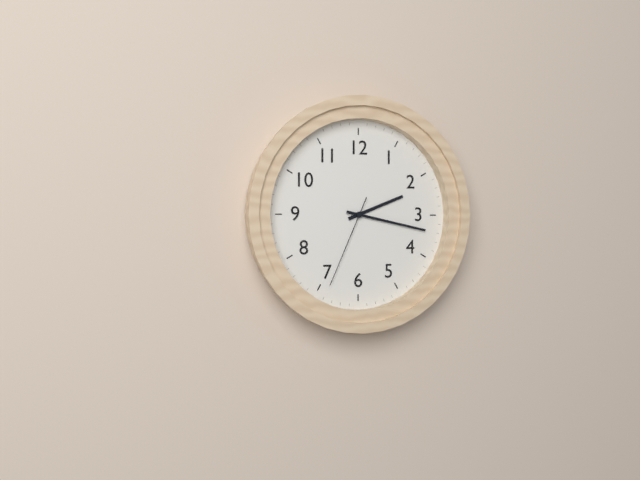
{"hour": 2, "minute": 17, "second": 34}
